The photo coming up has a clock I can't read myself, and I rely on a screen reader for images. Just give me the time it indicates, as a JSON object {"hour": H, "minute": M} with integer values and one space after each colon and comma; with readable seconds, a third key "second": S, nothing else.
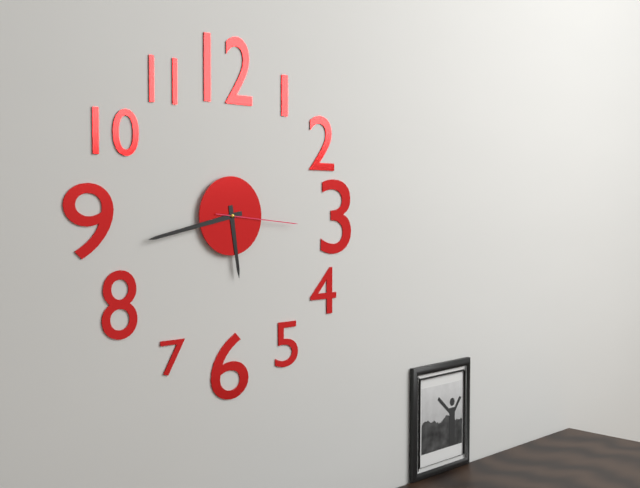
{"hour": 5, "minute": 43, "second": 16}
